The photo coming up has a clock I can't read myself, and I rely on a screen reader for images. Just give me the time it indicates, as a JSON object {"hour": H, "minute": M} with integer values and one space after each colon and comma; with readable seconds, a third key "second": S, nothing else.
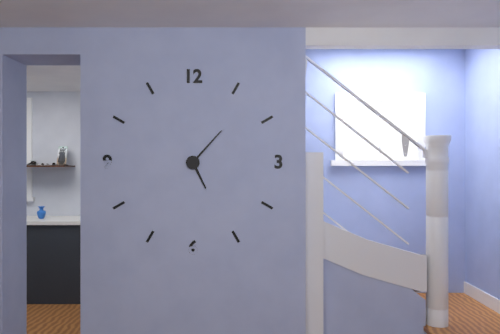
{"hour": 5, "minute": 7}
